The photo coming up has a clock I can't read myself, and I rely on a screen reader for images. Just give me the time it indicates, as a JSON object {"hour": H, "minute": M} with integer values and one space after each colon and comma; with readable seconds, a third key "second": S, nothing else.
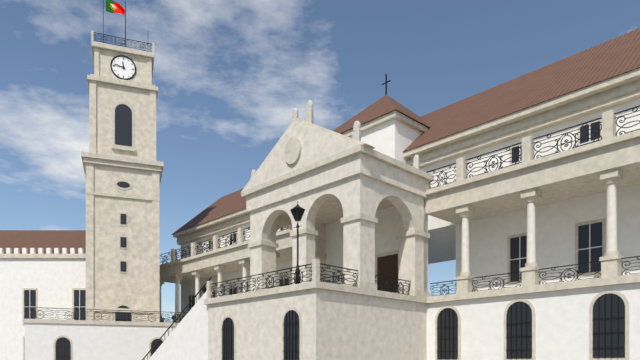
{"hour": 11, "minute": 47}
